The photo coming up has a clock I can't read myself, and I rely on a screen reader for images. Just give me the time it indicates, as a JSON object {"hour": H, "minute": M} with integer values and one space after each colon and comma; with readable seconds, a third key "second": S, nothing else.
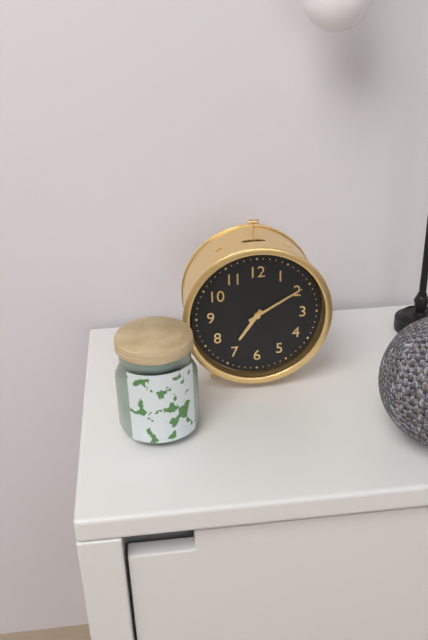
{"hour": 7, "minute": 10}
